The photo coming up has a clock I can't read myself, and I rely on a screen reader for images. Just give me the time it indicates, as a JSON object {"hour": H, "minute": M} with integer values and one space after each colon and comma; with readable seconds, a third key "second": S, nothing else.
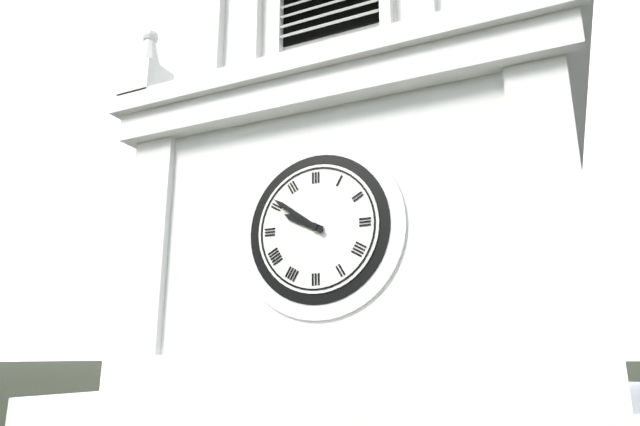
{"hour": 9, "minute": 51}
